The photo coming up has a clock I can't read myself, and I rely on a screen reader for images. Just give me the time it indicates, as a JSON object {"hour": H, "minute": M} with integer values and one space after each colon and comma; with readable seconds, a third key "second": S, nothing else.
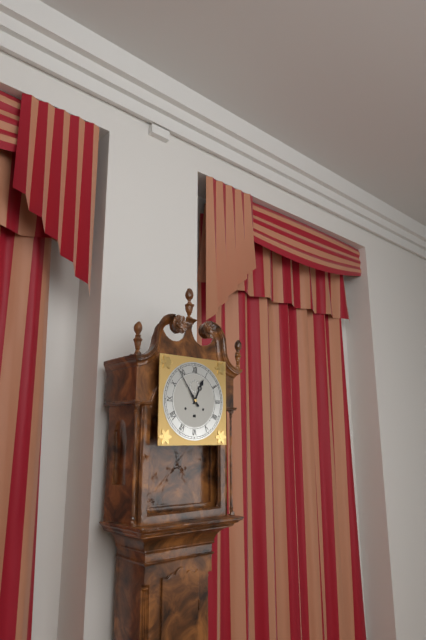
{"hour": 12, "minute": 54}
